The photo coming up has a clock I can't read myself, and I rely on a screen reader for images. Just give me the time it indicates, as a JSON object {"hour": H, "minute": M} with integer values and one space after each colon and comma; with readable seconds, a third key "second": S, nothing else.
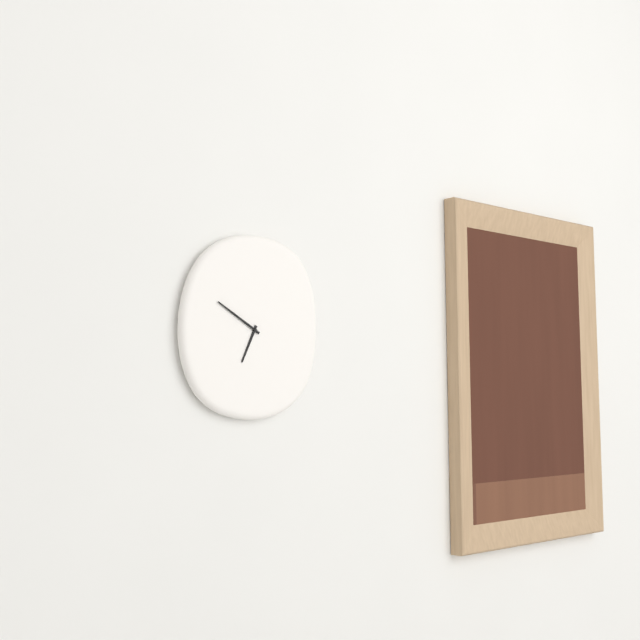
{"hour": 6, "minute": 50}
